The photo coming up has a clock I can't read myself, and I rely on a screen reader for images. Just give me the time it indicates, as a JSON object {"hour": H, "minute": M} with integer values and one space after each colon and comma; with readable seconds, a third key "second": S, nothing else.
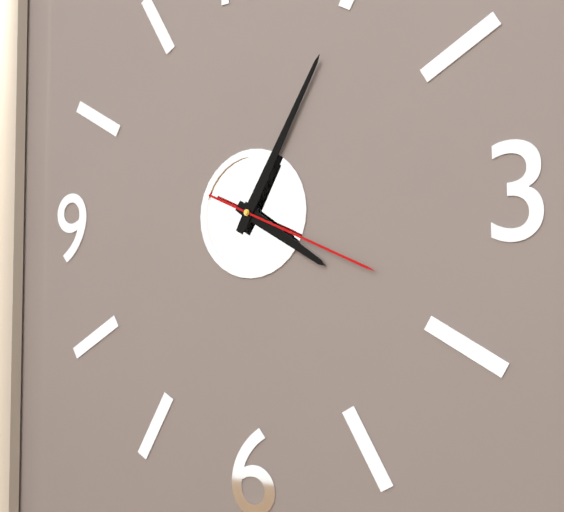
{"hour": 4, "minute": 5, "second": 19}
